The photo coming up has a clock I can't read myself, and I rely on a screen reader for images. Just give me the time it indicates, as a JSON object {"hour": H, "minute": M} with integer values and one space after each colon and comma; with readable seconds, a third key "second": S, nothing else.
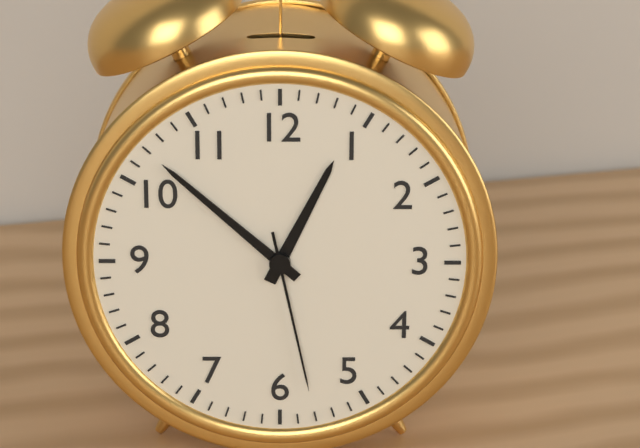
{"hour": 12, "minute": 52, "second": 28}
